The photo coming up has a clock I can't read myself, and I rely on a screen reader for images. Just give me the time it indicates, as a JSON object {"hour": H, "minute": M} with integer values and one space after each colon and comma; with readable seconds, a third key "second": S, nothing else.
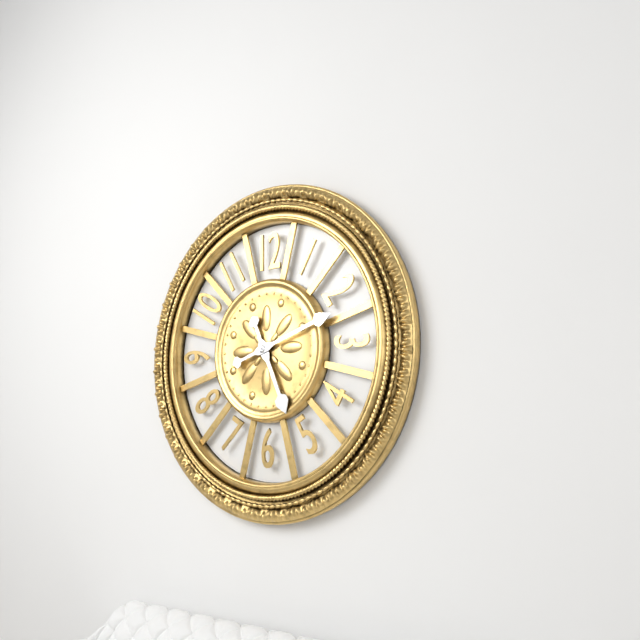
{"hour": 5, "minute": 12}
